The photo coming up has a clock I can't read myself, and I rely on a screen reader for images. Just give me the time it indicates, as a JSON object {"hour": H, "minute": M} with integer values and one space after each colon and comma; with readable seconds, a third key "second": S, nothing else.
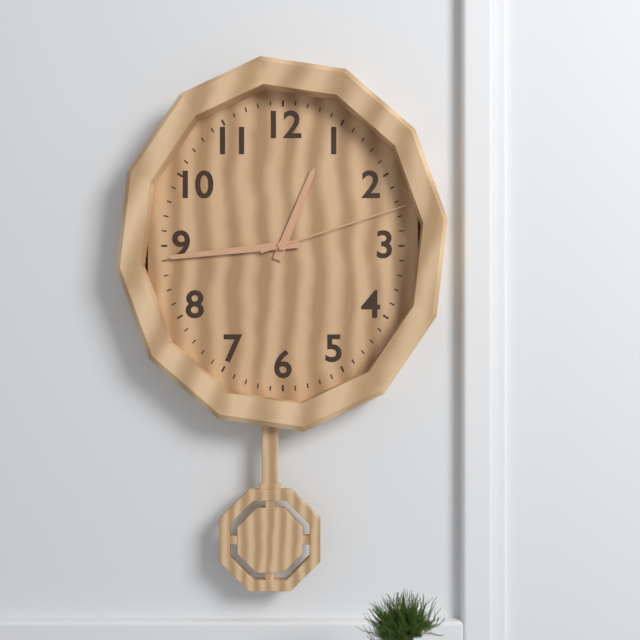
{"hour": 12, "minute": 44, "second": 12}
